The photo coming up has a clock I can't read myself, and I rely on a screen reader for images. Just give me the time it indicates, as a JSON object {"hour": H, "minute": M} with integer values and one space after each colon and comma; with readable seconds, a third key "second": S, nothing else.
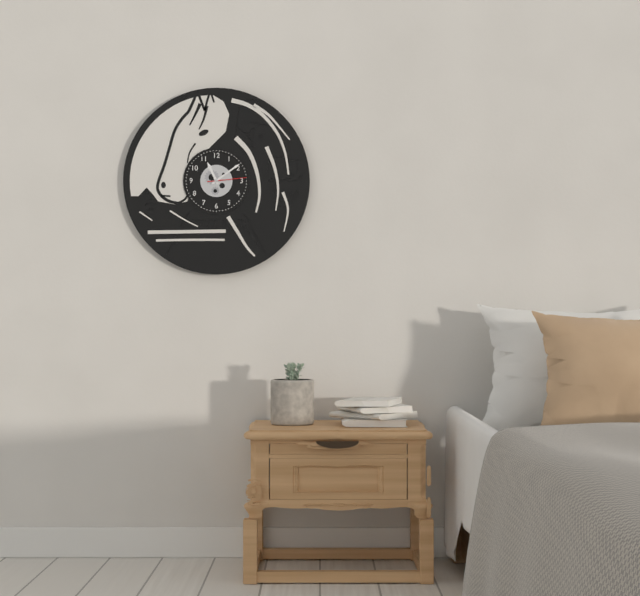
{"hour": 11, "minute": 9}
